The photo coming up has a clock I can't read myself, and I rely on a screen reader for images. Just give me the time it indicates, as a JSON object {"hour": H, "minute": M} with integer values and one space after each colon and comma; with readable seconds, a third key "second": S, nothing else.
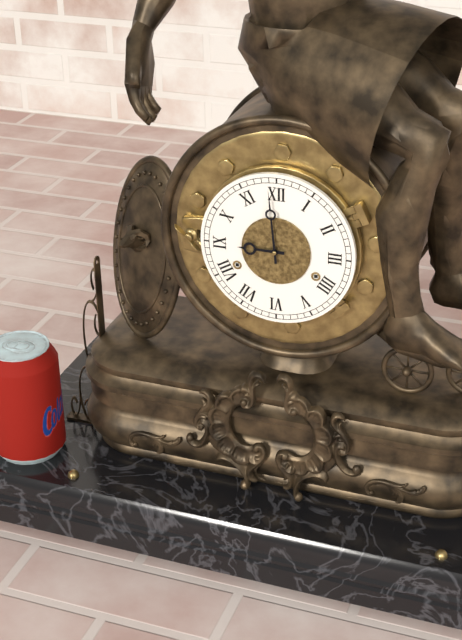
{"hour": 8, "minute": 59}
